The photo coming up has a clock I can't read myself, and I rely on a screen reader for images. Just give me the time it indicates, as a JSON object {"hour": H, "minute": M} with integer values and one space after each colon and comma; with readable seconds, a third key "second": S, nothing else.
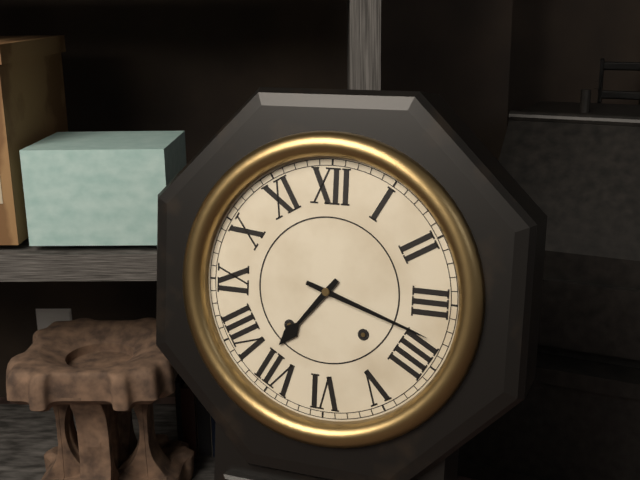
{"hour": 7, "minute": 18}
